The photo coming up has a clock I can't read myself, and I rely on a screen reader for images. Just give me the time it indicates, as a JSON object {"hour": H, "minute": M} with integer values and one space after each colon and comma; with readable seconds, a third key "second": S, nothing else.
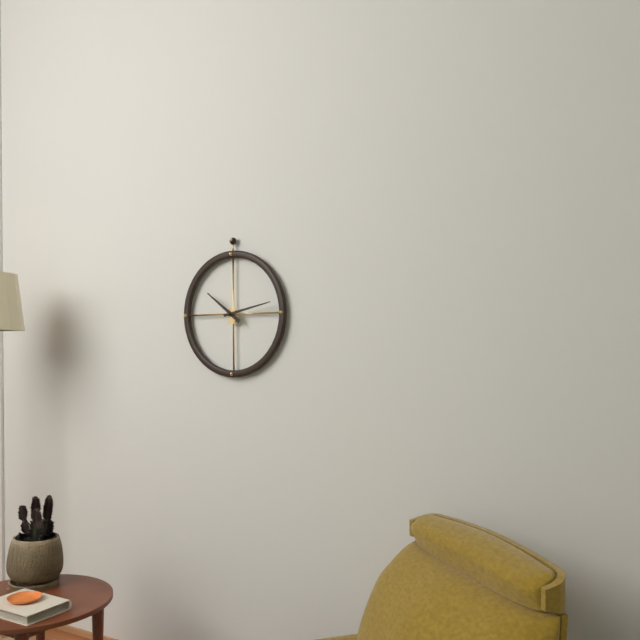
{"hour": 10, "minute": 13}
